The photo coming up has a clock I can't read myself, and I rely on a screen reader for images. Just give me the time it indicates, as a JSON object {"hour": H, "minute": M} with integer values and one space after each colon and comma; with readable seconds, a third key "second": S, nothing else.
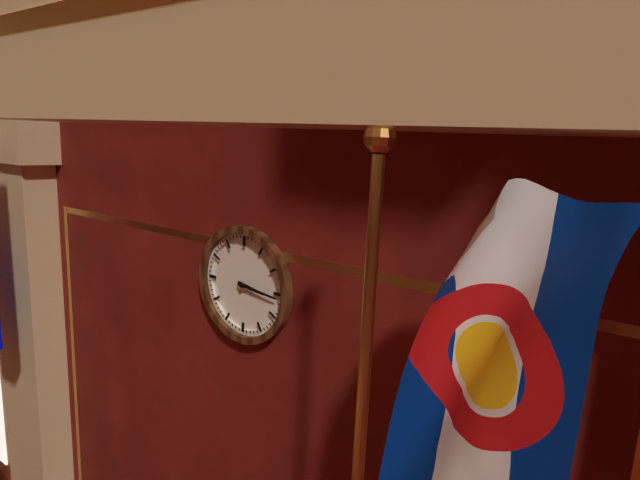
{"hour": 3, "minute": 16}
